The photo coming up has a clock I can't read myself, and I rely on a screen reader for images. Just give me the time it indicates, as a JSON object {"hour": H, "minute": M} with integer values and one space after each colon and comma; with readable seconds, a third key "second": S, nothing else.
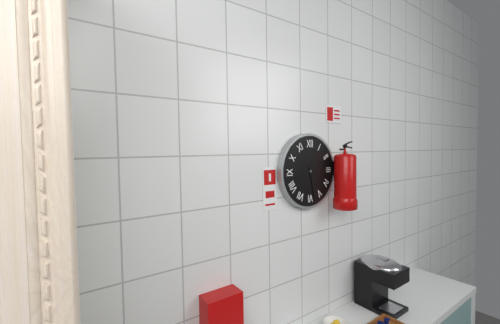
{"hour": 8, "minute": 28}
